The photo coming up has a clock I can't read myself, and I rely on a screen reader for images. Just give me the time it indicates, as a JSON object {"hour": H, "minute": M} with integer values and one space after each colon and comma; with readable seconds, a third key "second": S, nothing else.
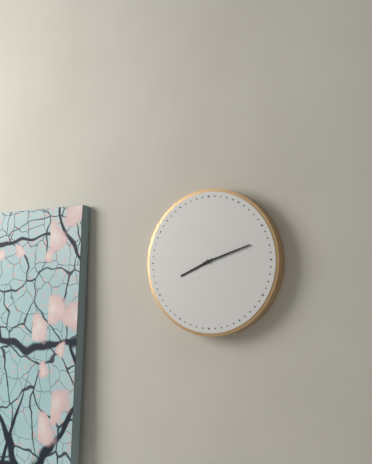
{"hour": 8, "minute": 12}
